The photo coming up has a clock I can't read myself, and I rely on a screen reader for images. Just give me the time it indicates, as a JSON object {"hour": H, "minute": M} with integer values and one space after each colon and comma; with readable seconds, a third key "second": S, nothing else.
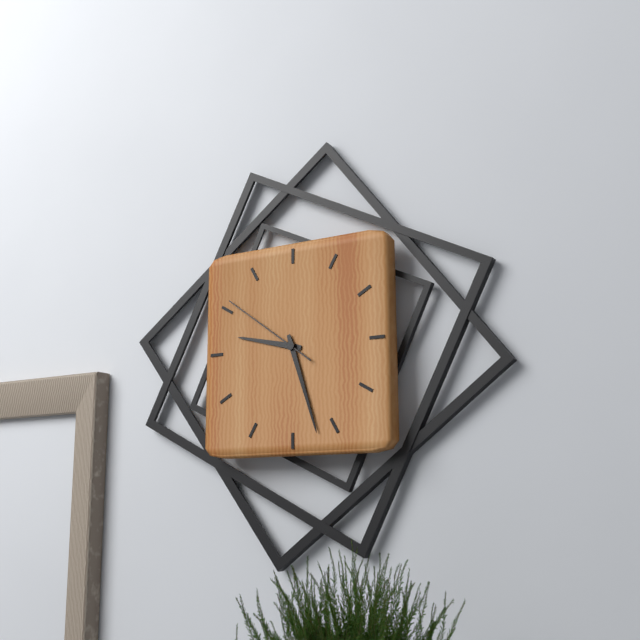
{"hour": 9, "minute": 27, "second": 51}
